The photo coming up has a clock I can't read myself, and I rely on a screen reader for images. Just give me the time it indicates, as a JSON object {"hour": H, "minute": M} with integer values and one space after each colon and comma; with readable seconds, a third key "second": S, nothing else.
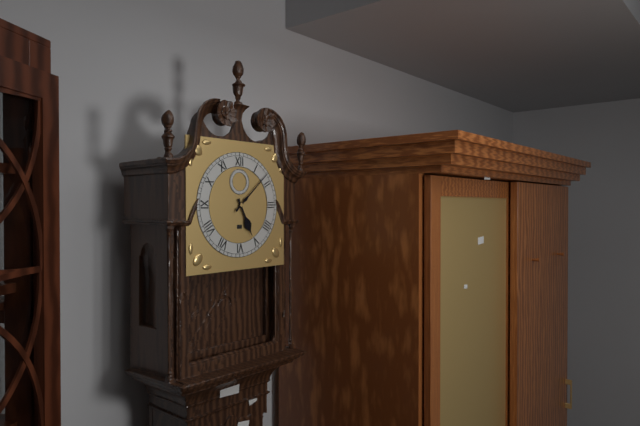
{"hour": 5, "minute": 8}
